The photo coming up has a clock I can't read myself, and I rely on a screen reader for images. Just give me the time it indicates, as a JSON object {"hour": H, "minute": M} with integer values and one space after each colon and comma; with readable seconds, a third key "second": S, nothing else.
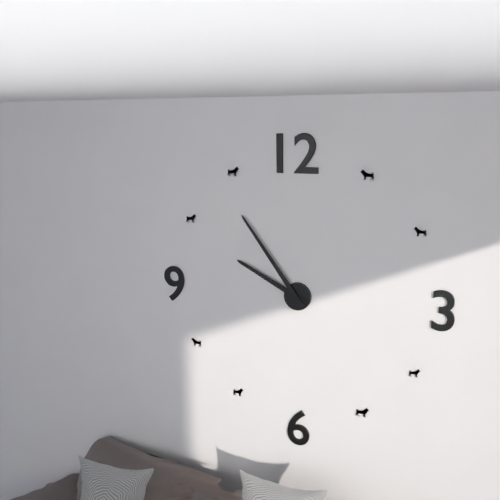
{"hour": 9, "minute": 54}
